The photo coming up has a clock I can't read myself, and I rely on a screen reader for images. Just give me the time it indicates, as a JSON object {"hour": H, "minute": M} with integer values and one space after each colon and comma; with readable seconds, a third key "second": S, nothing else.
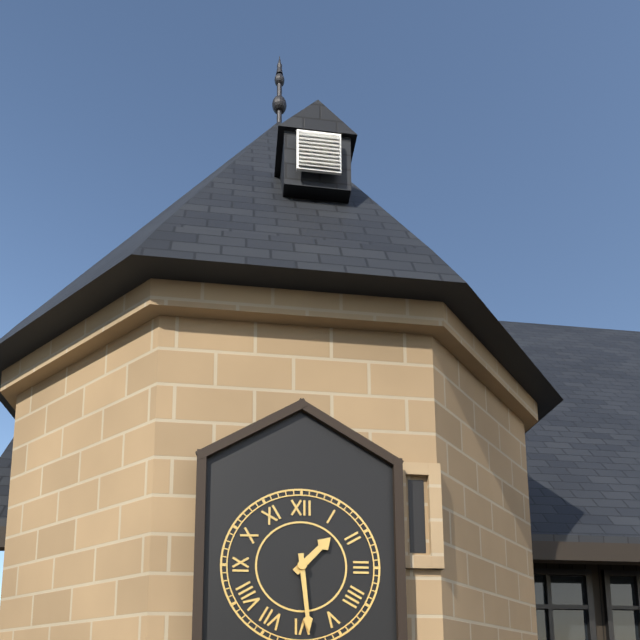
{"hour": 1, "minute": 29}
